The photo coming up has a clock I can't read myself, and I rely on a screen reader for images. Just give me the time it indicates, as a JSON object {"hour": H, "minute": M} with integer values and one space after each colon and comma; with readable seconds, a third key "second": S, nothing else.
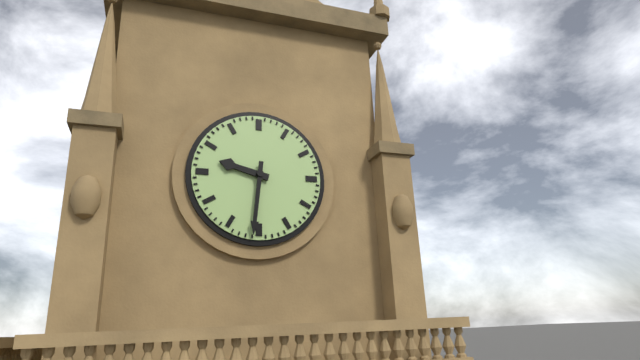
{"hour": 9, "minute": 31}
